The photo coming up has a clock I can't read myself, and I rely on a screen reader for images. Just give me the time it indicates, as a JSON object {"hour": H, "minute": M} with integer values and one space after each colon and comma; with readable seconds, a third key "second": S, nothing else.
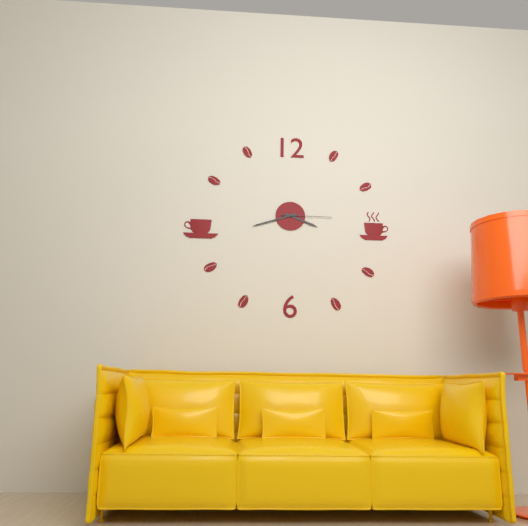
{"hour": 3, "minute": 42, "second": 15}
